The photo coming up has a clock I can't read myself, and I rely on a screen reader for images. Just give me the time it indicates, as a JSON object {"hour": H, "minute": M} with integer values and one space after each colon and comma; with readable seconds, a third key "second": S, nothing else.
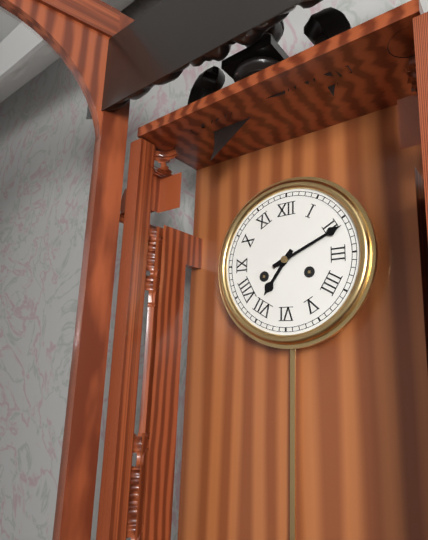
{"hour": 7, "minute": 11}
